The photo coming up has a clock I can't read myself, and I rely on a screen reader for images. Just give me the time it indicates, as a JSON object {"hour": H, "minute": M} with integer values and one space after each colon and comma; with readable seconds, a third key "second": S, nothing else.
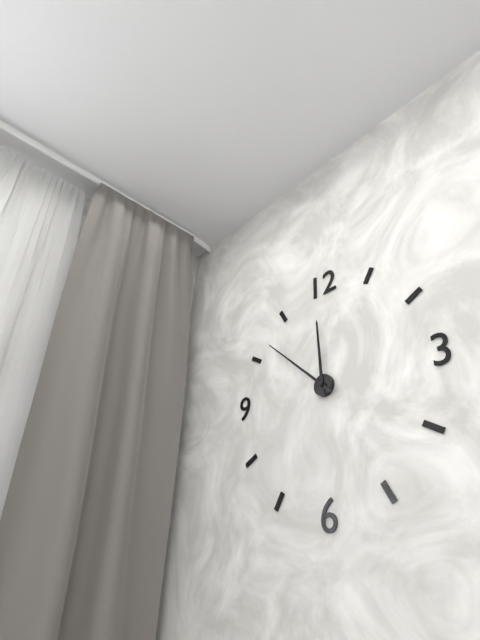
{"hour": 11, "minute": 52}
